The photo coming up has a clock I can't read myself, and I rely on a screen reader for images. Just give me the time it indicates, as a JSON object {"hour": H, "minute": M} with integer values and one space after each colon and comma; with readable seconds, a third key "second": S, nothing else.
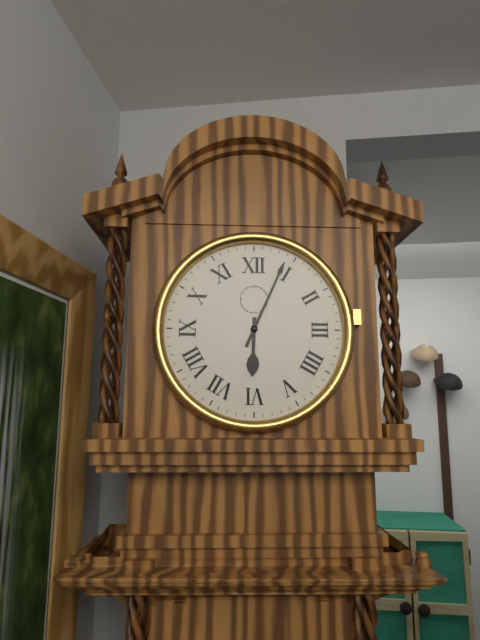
{"hour": 6, "minute": 4}
